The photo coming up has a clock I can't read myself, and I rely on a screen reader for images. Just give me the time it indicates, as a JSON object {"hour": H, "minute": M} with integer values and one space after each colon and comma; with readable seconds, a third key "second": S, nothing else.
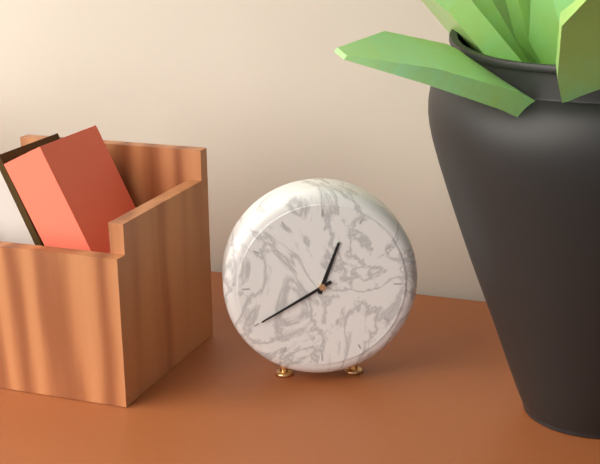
{"hour": 12, "minute": 40}
